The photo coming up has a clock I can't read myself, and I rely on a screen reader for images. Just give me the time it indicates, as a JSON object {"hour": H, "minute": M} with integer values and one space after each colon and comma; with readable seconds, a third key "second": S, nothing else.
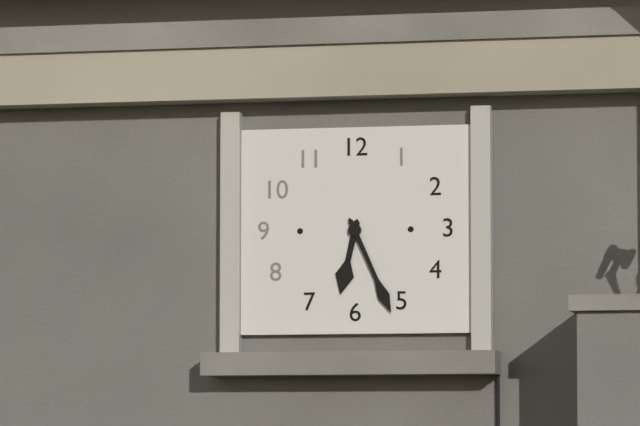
{"hour": 6, "minute": 26}
